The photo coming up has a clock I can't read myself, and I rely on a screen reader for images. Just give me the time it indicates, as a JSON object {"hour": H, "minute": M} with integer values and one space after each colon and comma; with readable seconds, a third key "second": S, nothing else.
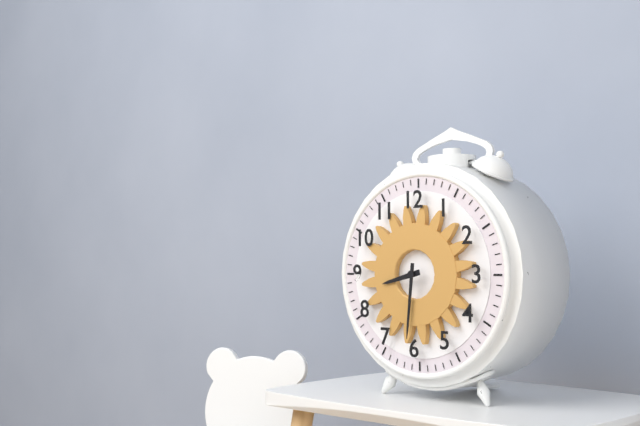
{"hour": 8, "minute": 31}
